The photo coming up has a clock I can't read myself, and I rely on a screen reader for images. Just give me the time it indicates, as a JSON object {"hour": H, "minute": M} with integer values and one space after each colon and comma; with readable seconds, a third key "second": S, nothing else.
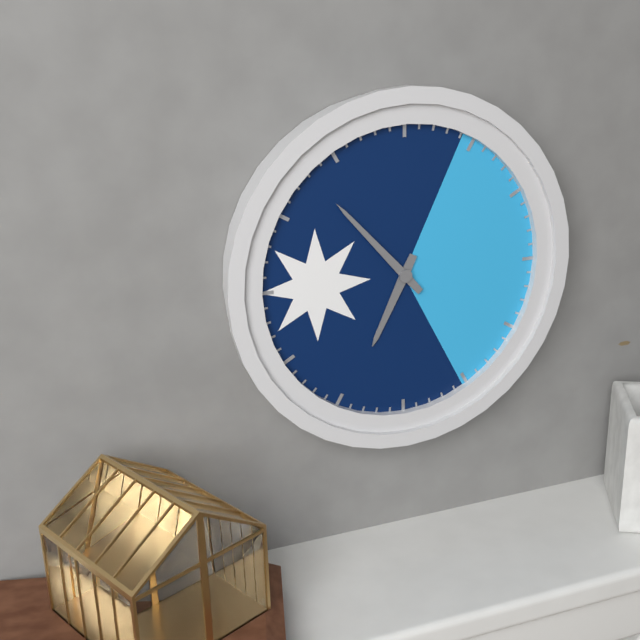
{"hour": 6, "minute": 53}
